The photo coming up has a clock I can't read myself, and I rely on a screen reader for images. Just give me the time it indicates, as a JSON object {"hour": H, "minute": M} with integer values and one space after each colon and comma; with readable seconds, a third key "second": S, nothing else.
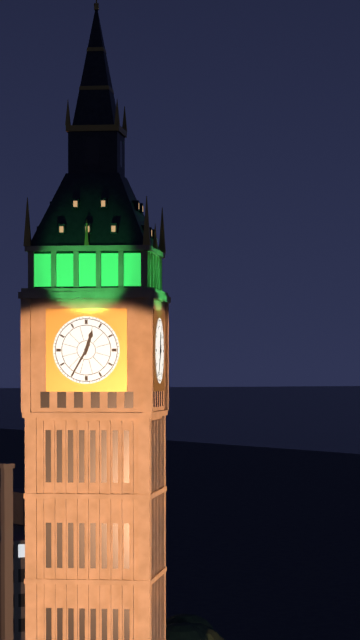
{"hour": 12, "minute": 35}
